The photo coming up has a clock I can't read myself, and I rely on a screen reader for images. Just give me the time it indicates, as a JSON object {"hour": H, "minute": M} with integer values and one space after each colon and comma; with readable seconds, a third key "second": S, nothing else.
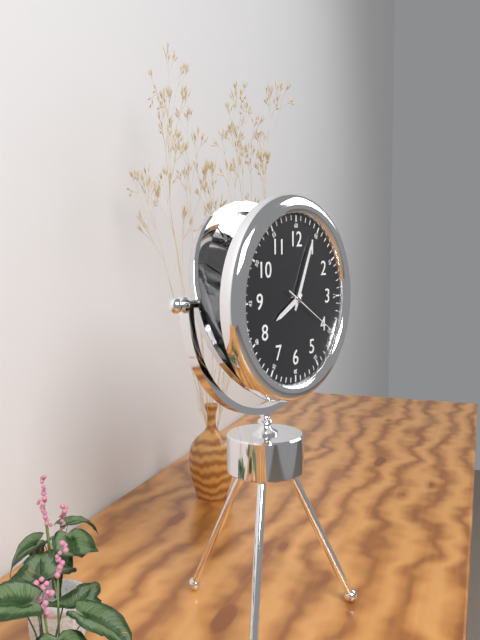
{"hour": 8, "minute": 4, "second": 20}
